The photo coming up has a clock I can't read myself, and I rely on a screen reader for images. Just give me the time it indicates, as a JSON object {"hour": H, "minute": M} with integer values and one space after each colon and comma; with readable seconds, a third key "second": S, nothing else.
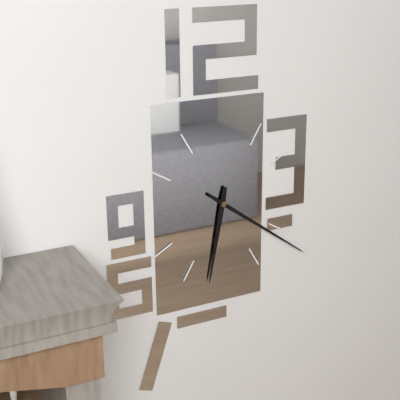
{"hour": 6, "minute": 21}
